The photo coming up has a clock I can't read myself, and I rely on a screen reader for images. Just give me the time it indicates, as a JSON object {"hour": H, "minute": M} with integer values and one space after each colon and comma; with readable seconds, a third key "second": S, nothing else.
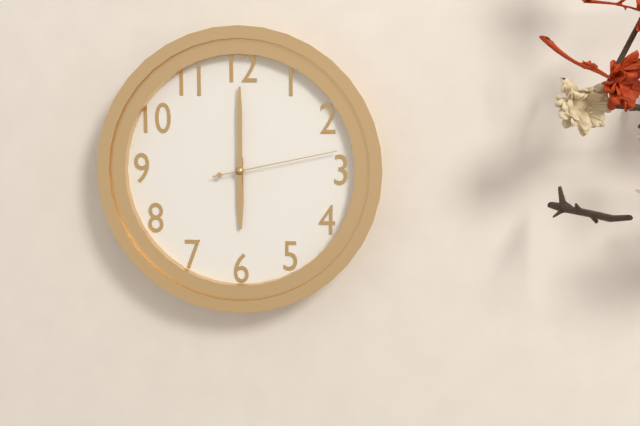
{"hour": 6, "minute": 0, "second": 13}
